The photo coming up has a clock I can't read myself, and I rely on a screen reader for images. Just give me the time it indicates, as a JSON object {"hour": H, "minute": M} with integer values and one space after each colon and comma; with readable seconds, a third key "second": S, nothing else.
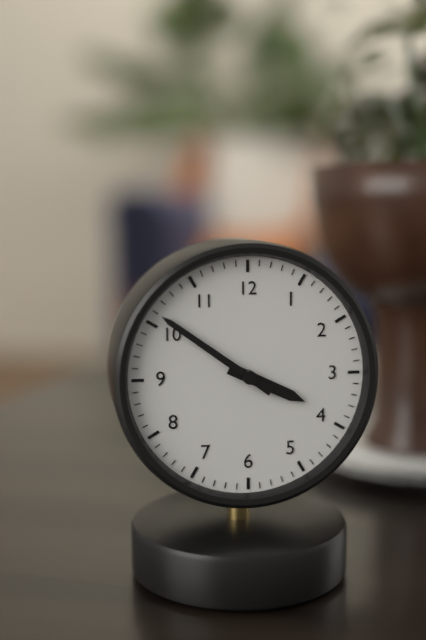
{"hour": 3, "minute": 51}
